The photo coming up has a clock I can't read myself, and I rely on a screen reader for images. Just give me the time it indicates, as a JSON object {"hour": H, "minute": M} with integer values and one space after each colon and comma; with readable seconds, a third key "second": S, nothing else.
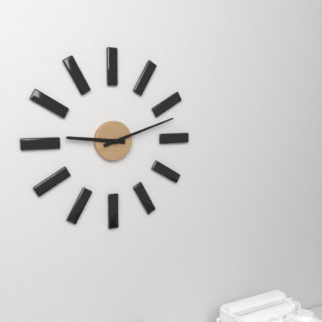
{"hour": 9, "minute": 12}
